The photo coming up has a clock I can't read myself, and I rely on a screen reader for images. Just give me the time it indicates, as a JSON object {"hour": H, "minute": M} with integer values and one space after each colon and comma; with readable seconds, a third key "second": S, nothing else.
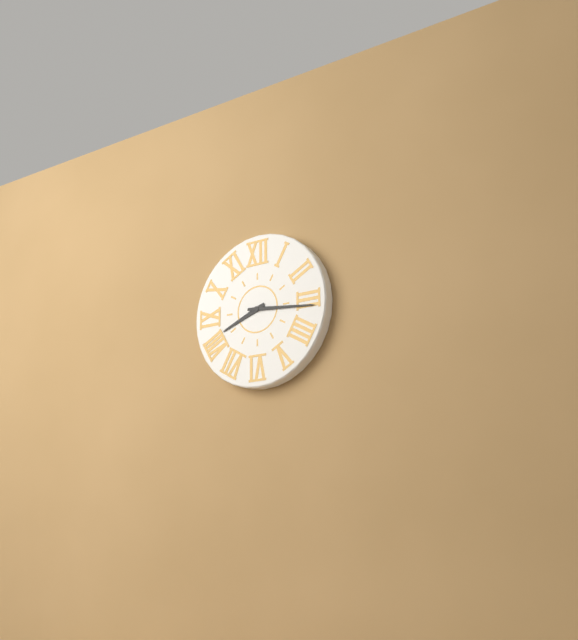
{"hour": 8, "minute": 16}
